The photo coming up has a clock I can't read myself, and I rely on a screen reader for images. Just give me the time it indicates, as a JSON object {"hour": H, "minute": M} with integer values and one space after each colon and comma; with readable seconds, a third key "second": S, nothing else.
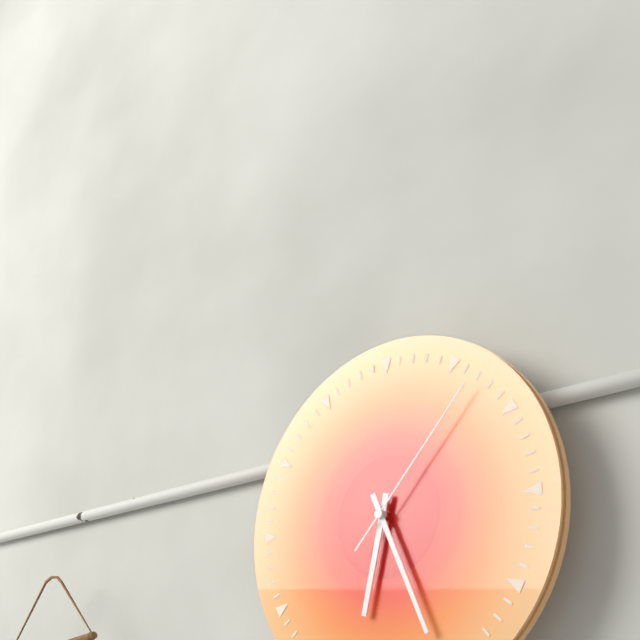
{"hour": 6, "minute": 26, "second": 7}
